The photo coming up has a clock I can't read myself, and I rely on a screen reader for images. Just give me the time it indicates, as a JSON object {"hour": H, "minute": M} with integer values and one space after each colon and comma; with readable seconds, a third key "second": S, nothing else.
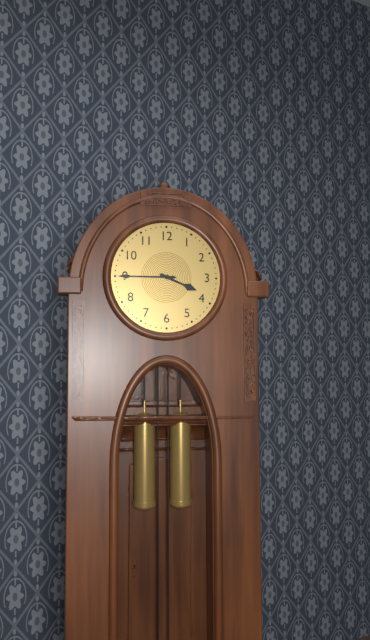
{"hour": 3, "minute": 45}
